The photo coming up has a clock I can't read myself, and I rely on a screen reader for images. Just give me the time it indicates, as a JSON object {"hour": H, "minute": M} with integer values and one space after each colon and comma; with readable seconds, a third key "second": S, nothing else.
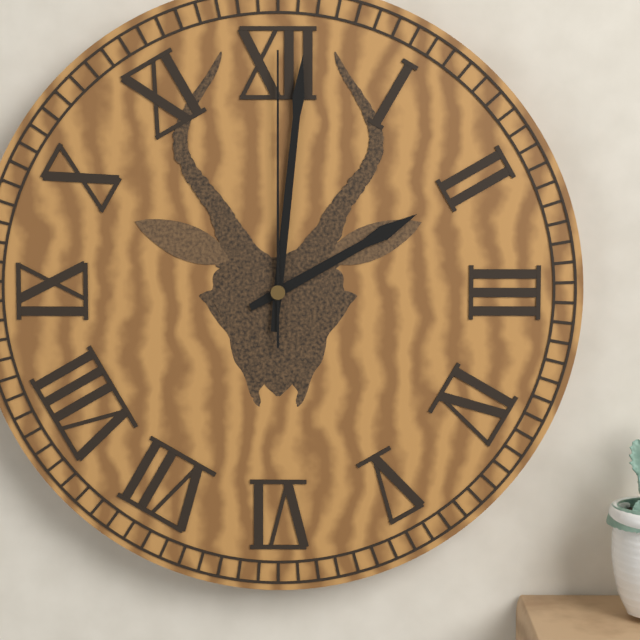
{"hour": 2, "minute": 1, "second": 0}
